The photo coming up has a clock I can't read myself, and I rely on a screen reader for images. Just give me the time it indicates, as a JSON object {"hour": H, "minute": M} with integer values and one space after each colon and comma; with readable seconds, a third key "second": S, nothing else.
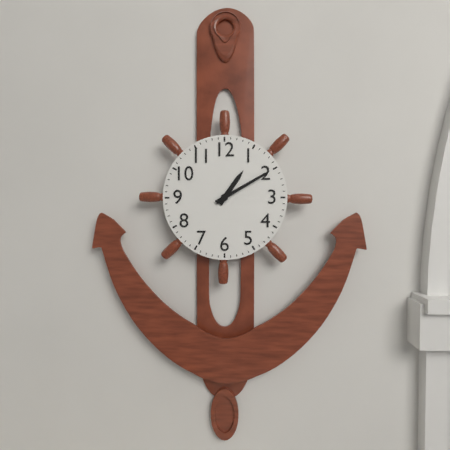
{"hour": 1, "minute": 10}
